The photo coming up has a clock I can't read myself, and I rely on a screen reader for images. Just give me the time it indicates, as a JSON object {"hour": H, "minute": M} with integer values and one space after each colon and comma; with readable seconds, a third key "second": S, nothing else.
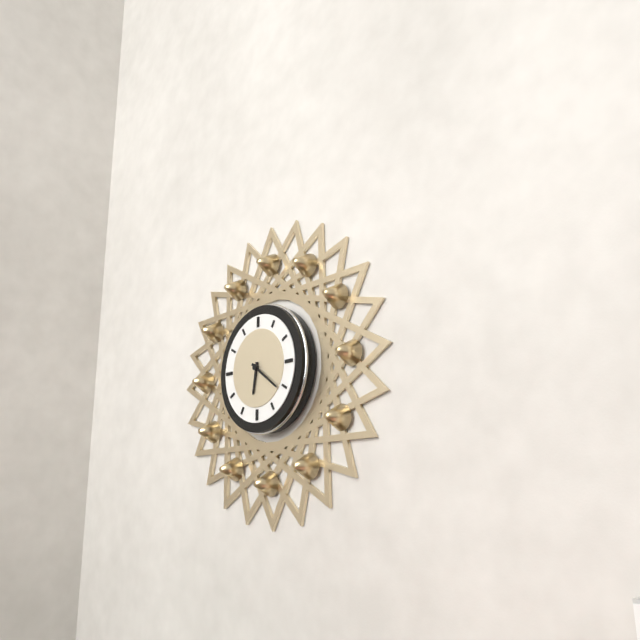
{"hour": 6, "minute": 21}
